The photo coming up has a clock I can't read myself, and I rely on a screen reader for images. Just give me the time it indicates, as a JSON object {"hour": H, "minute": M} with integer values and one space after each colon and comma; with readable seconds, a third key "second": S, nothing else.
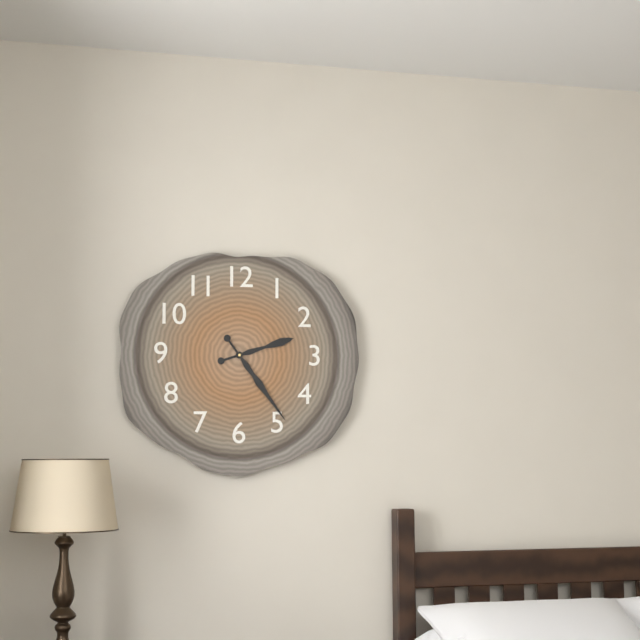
{"hour": 2, "minute": 24}
